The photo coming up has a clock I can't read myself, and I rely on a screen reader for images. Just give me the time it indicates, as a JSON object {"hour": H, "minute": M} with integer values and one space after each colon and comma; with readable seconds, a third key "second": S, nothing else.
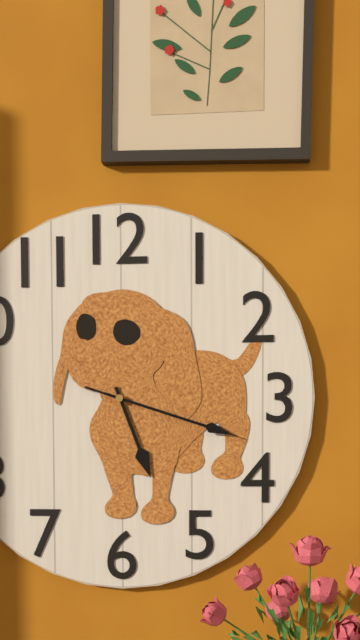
{"hour": 5, "minute": 18, "second": 18}
